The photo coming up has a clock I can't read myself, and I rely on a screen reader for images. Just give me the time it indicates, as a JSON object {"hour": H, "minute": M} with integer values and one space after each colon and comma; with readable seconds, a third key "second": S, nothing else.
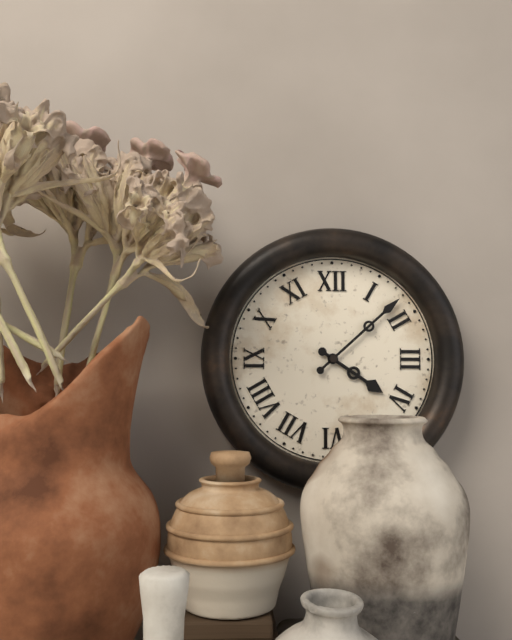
{"hour": 4, "minute": 8}
